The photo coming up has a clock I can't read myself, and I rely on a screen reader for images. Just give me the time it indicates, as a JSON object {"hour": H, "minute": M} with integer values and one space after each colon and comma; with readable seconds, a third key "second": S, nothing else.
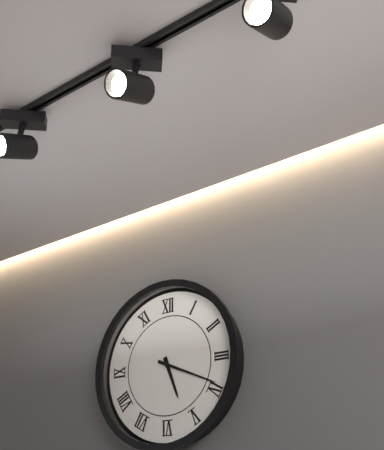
{"hour": 5, "minute": 19}
